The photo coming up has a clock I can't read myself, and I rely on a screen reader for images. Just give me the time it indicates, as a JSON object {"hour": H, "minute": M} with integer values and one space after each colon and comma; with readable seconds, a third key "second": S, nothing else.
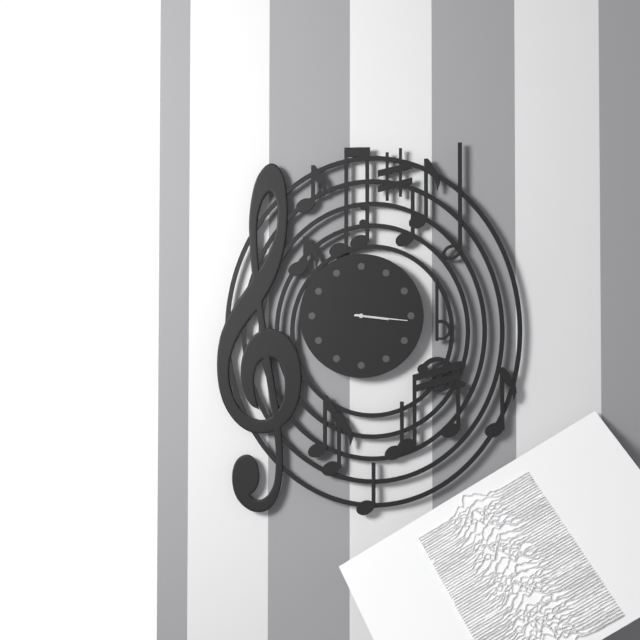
{"hour": 3, "minute": 16}
